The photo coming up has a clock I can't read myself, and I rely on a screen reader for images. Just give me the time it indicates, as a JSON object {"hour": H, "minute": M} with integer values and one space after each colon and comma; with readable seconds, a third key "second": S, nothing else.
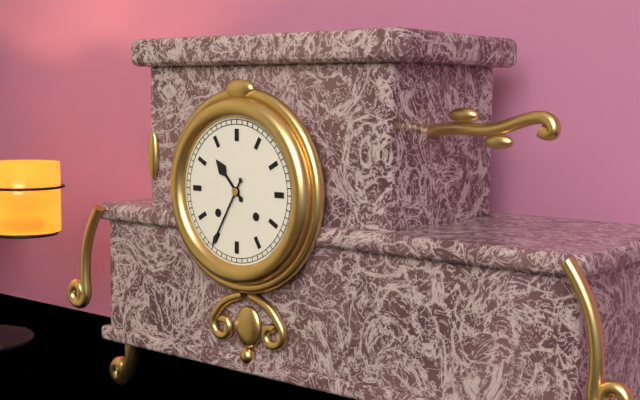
{"hour": 10, "minute": 35}
